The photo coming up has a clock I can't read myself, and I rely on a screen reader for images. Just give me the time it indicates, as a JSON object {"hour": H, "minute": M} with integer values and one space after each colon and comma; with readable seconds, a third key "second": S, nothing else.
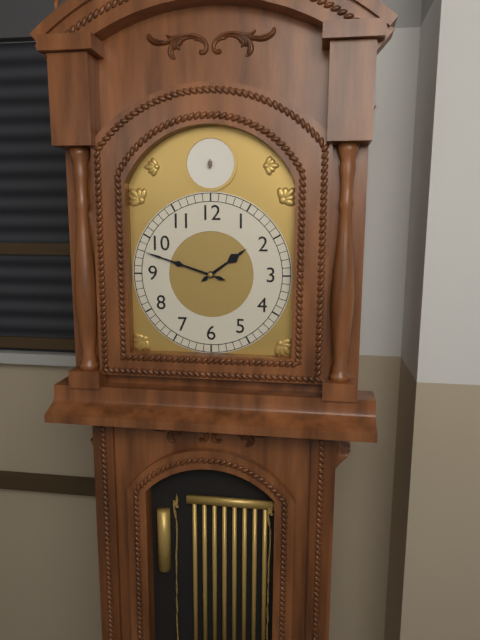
{"hour": 1, "minute": 48}
